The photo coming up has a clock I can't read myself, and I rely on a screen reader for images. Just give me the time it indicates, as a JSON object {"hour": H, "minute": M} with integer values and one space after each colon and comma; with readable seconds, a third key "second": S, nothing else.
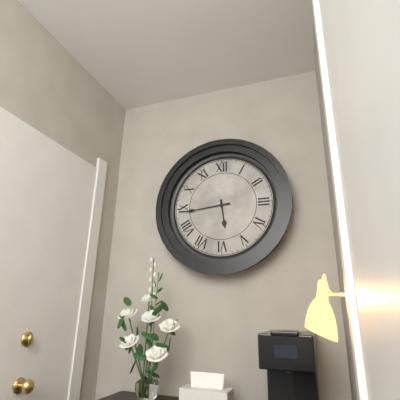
{"hour": 5, "minute": 44}
